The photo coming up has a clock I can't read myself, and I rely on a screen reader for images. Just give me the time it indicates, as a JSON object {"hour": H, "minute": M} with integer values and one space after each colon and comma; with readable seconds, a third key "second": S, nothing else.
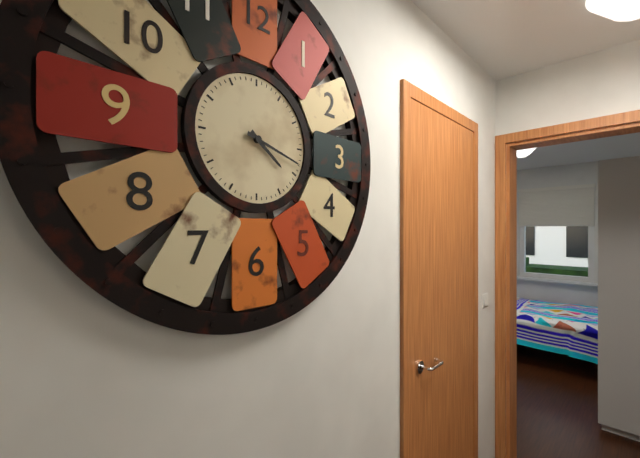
{"hour": 4, "minute": 18}
